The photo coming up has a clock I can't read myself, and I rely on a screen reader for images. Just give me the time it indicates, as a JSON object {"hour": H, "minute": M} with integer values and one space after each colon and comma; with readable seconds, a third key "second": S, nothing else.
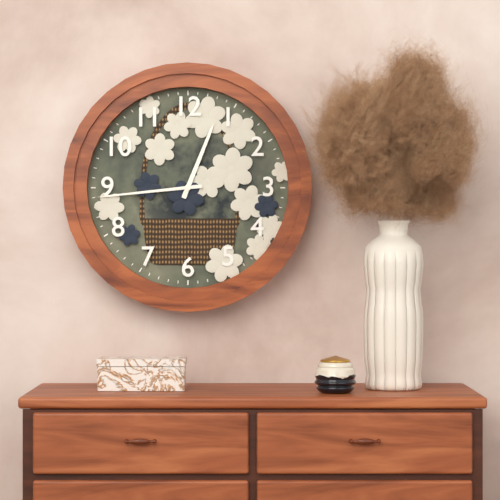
{"hour": 12, "minute": 44}
